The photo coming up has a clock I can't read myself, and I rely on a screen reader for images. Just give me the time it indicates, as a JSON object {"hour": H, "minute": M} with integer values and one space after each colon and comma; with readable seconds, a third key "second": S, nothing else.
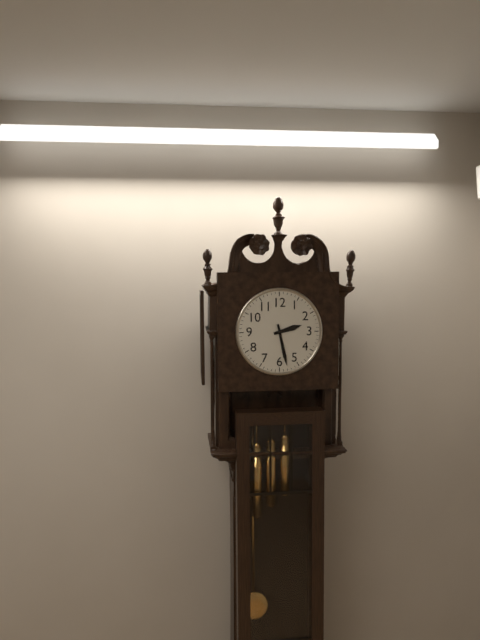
{"hour": 2, "minute": 28}
